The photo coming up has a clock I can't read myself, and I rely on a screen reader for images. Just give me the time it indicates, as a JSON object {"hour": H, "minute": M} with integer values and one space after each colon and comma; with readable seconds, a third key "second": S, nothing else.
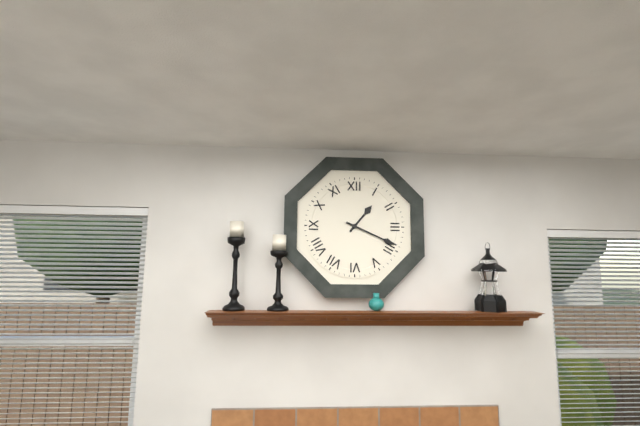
{"hour": 1, "minute": 19}
